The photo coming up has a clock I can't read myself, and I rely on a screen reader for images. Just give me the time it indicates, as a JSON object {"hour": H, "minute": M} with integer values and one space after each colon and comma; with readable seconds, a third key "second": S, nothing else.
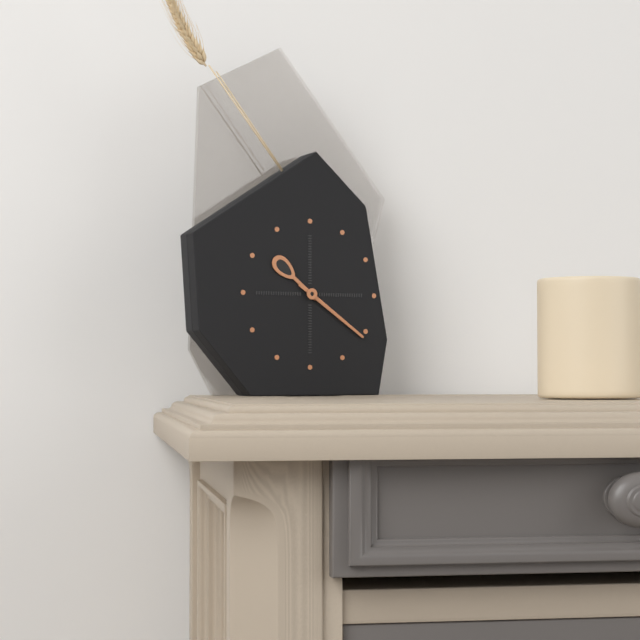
{"hour": 10, "minute": 21}
